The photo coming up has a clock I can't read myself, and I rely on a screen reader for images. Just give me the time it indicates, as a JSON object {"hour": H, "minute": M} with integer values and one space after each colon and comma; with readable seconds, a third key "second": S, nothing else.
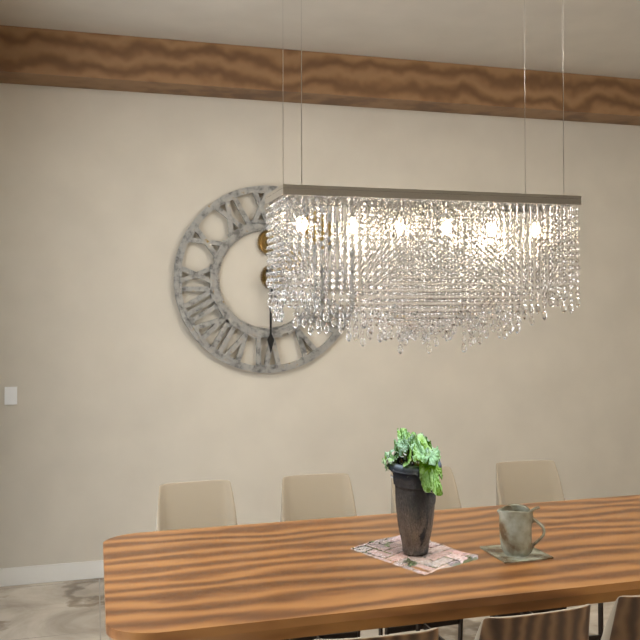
{"hour": 5, "minute": 30}
